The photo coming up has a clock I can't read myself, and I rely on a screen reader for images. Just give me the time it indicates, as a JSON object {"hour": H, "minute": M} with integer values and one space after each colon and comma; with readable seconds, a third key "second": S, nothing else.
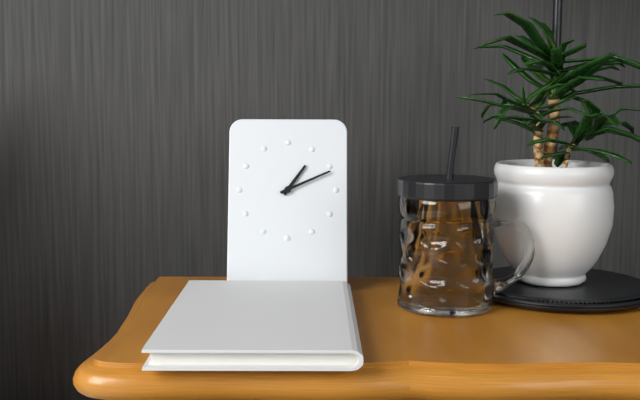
{"hour": 1, "minute": 11}
